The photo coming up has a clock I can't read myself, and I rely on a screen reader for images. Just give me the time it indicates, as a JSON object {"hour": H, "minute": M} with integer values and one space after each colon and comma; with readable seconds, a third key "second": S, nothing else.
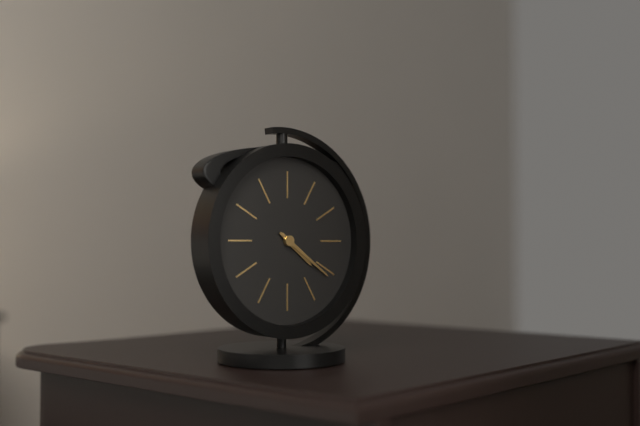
{"hour": 4, "minute": 21}
